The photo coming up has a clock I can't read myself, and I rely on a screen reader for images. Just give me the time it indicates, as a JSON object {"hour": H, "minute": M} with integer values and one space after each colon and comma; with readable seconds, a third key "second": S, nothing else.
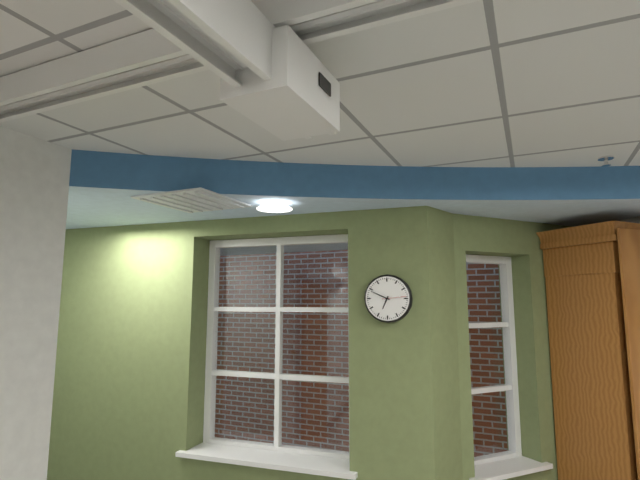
{"hour": 6, "minute": 49}
